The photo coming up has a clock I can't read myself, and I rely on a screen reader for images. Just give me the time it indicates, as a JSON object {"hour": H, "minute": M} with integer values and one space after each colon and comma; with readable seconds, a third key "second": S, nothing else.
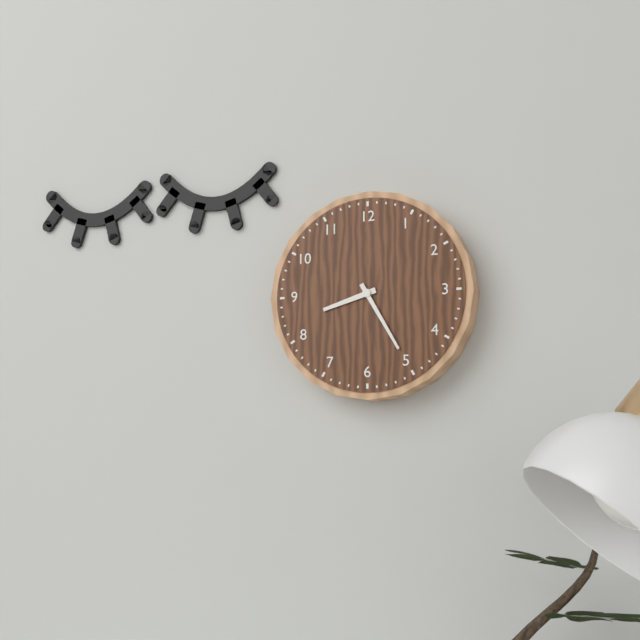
{"hour": 8, "minute": 25}
